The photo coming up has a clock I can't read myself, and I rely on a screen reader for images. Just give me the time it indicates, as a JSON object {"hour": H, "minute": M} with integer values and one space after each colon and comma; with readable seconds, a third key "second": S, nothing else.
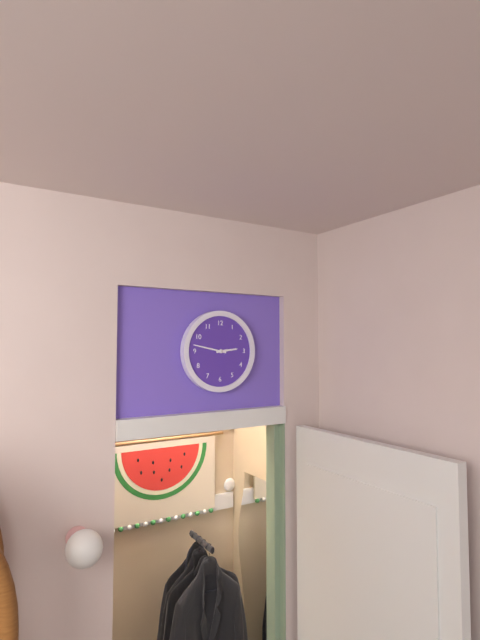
{"hour": 2, "minute": 47}
